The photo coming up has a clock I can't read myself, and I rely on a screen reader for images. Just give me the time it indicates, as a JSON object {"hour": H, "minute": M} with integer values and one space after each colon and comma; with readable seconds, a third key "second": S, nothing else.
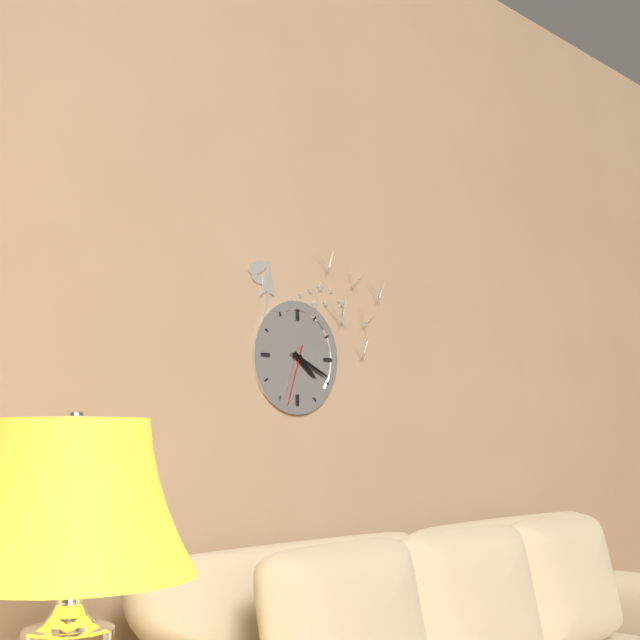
{"hour": 4, "minute": 19, "second": 33}
